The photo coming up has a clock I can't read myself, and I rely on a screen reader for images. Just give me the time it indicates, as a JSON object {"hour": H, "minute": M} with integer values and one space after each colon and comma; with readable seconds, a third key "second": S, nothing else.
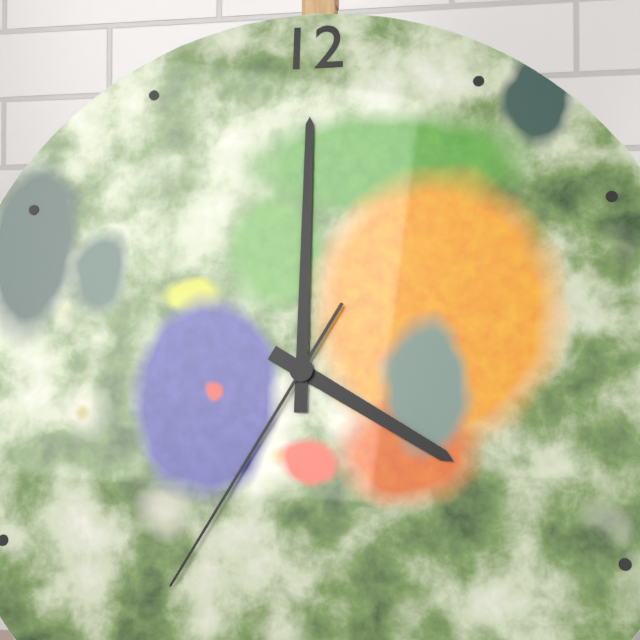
{"hour": 4, "minute": 0, "second": 35}
